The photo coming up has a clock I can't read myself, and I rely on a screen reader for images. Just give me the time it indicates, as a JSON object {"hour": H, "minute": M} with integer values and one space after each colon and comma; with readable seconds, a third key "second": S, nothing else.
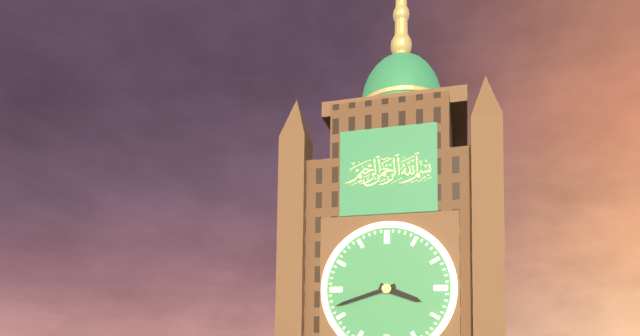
{"hour": 3, "minute": 42}
